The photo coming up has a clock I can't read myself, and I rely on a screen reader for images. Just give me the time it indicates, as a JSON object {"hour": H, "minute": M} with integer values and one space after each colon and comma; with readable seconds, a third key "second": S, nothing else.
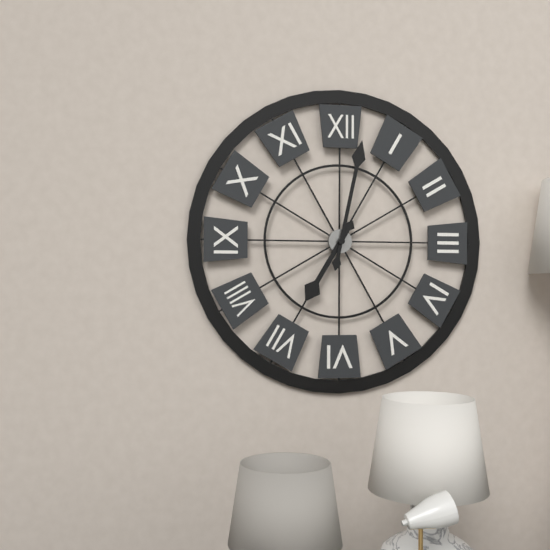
{"hour": 7, "minute": 2}
